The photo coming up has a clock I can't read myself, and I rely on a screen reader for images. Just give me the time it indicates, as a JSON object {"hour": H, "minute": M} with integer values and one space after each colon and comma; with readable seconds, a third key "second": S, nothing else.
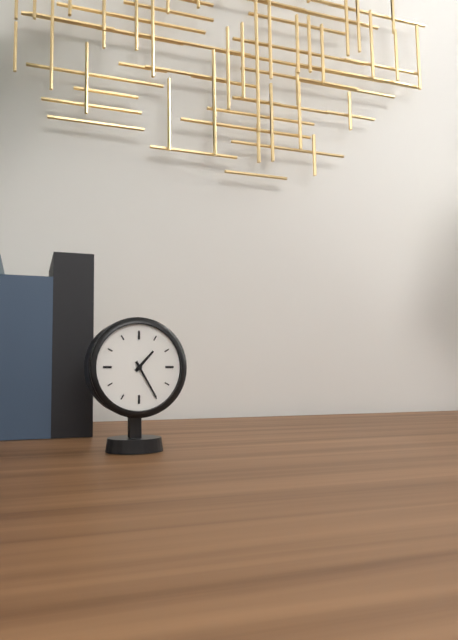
{"hour": 1, "minute": 25}
